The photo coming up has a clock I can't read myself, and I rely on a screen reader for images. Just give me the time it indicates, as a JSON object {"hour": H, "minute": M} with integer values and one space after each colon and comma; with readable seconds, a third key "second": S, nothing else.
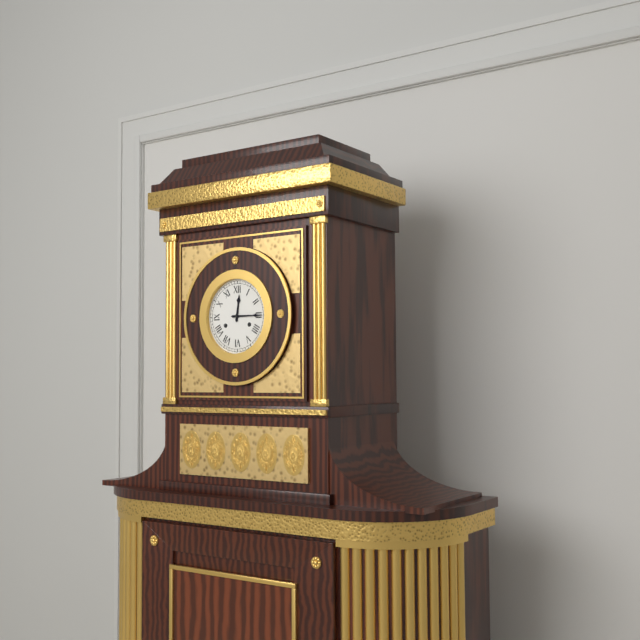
{"hour": 12, "minute": 15}
